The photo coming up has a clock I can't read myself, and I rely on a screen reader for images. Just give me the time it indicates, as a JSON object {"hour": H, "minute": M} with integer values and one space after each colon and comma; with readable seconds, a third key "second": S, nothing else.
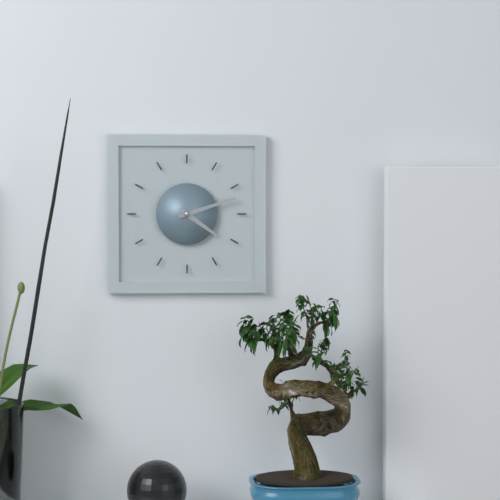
{"hour": 4, "minute": 12}
